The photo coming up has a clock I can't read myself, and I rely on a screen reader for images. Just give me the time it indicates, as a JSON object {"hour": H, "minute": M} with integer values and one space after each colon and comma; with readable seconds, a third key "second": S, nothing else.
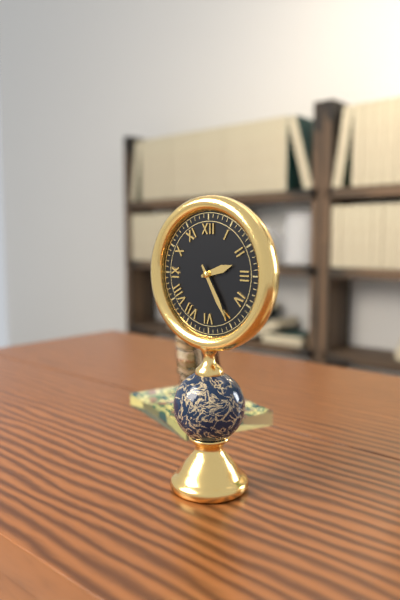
{"hour": 2, "minute": 25}
